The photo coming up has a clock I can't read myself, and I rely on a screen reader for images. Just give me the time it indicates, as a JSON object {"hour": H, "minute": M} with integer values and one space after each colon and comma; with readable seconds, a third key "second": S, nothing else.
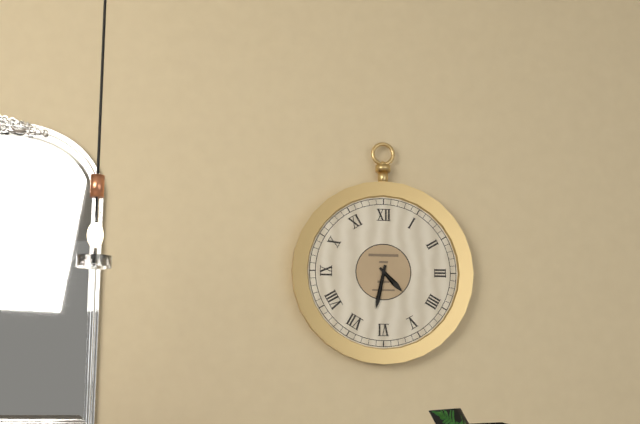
{"hour": 4, "minute": 32}
